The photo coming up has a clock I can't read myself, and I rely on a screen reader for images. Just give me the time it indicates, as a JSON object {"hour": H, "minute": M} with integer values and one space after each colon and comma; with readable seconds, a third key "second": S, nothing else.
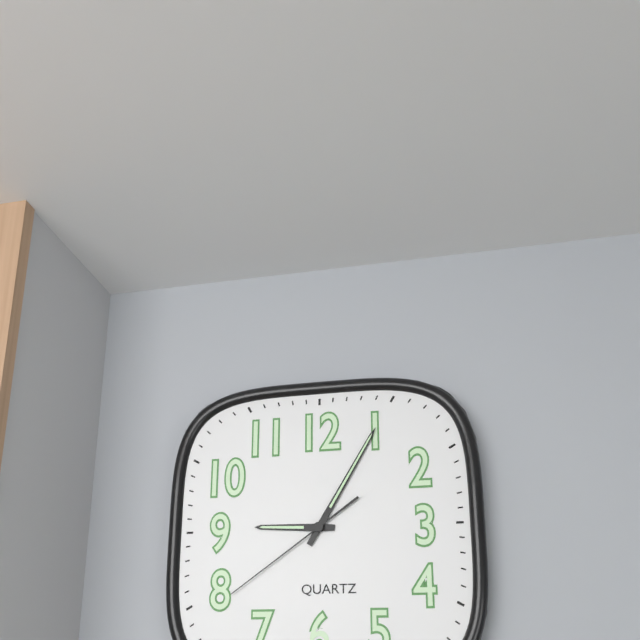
{"hour": 9, "minute": 5, "second": 39}
